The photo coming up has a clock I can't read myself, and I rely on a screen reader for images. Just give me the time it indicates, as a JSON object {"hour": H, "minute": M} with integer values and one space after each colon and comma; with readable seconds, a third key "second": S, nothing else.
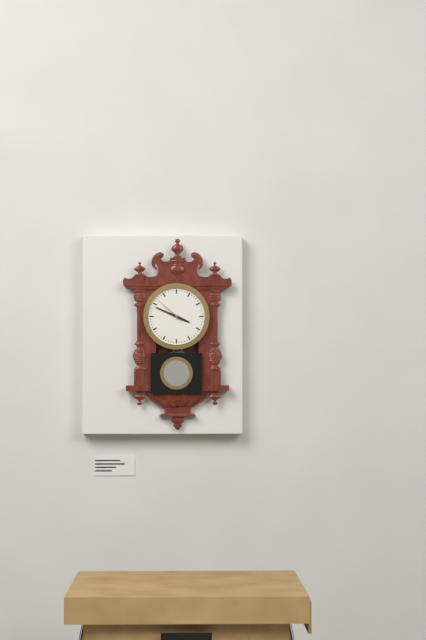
{"hour": 3, "minute": 49}
